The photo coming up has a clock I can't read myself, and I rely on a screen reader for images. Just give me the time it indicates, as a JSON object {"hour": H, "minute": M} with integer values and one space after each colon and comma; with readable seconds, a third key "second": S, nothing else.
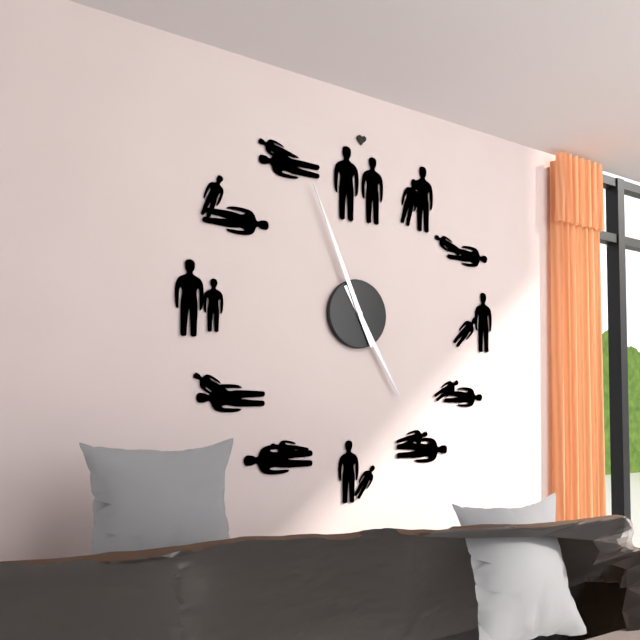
{"hour": 4, "minute": 56}
